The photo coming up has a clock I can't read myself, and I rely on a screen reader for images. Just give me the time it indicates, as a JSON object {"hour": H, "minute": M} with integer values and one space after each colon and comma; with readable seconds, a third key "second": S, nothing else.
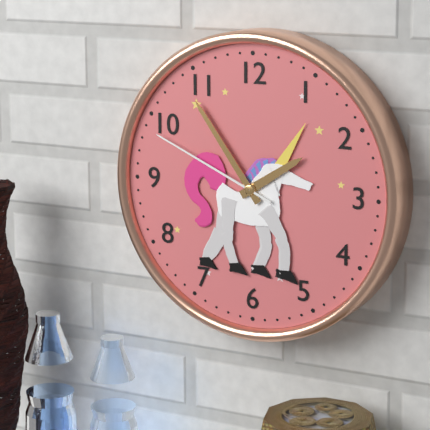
{"hour": 1, "minute": 54, "second": 49}
